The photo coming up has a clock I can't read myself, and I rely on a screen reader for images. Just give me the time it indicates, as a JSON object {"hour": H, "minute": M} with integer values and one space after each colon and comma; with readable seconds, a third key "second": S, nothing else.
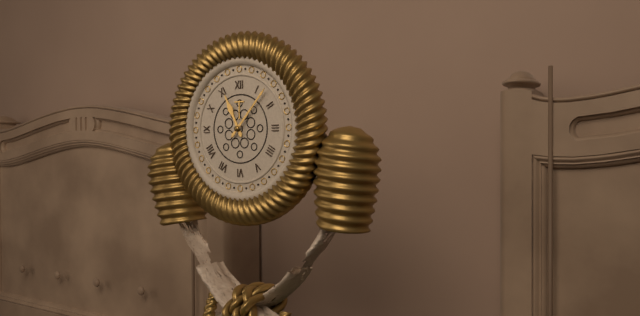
{"hour": 11, "minute": 7}
